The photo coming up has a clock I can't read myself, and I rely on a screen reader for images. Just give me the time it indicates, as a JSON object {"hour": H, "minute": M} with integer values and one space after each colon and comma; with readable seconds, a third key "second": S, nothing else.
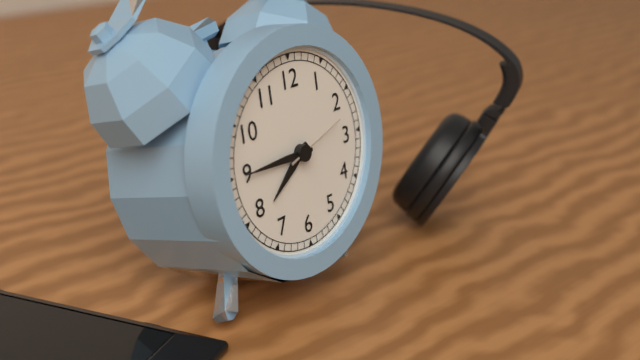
{"hour": 7, "minute": 45, "second": 12}
